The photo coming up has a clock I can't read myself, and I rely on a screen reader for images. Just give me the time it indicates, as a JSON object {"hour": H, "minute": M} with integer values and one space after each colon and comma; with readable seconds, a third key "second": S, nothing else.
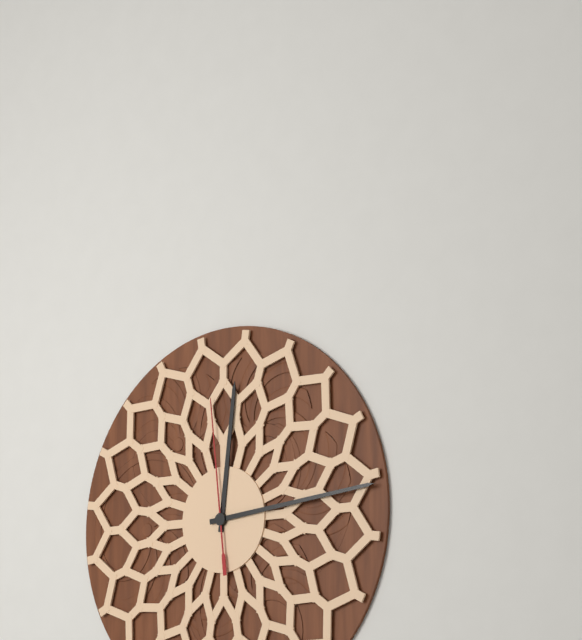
{"hour": 12, "minute": 14, "second": 59}
